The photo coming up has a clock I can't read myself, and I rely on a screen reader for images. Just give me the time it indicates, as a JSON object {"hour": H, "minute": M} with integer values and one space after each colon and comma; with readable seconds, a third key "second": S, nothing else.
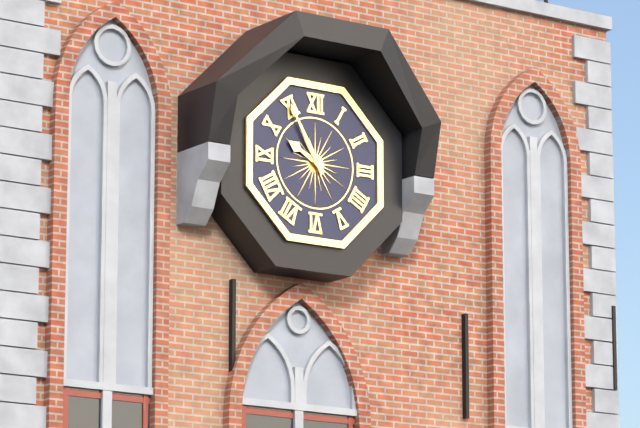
{"hour": 9, "minute": 55}
